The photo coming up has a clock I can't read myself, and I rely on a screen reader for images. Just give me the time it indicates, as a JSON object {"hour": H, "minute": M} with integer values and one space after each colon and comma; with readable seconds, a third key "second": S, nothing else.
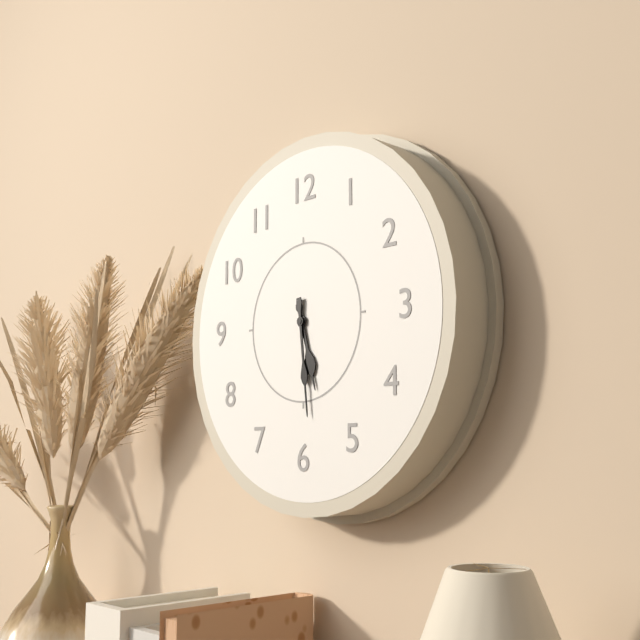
{"hour": 5, "minute": 29}
